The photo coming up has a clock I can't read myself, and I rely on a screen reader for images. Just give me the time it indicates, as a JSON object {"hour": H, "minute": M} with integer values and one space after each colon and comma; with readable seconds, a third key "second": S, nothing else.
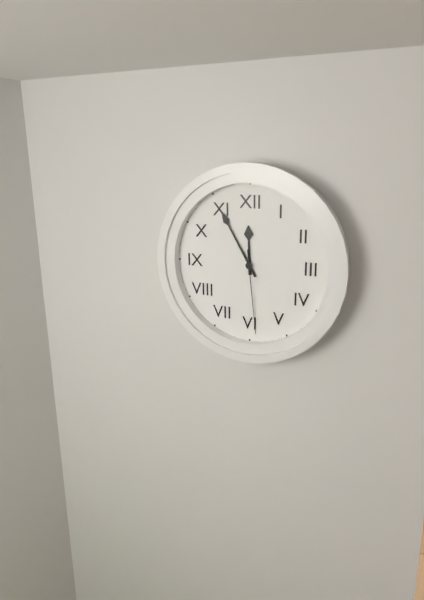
{"hour": 11, "minute": 55, "second": 29}
